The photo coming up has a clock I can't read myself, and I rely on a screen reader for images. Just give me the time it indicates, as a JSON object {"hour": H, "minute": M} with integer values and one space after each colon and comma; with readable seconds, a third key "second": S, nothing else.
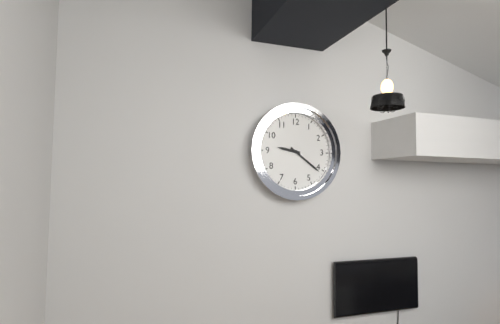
{"hour": 9, "minute": 21}
